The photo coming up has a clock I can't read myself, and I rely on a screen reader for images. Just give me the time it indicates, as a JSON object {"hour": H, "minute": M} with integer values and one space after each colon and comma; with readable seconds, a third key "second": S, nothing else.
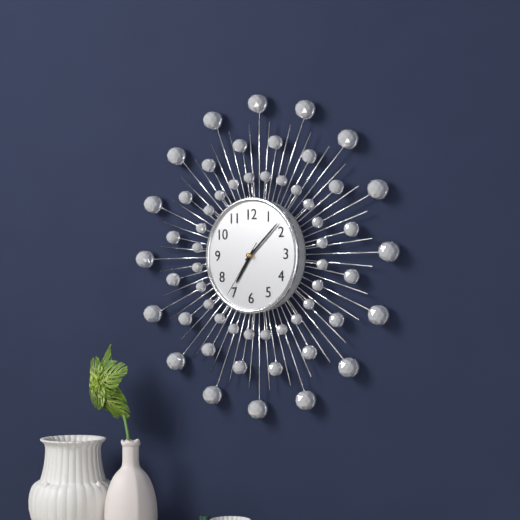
{"hour": 7, "minute": 8, "second": 36}
